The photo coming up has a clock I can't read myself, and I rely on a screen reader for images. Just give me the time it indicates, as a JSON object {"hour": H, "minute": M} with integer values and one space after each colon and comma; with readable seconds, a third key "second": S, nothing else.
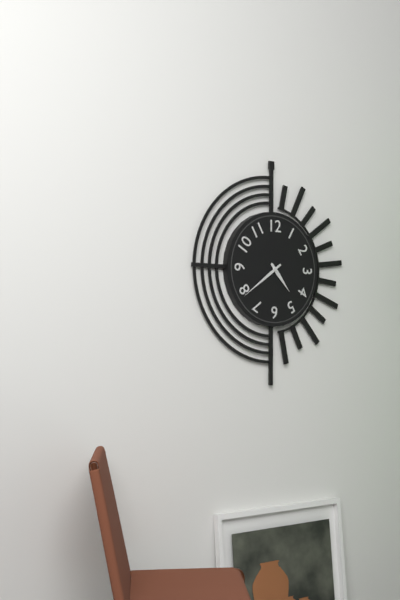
{"hour": 4, "minute": 39}
